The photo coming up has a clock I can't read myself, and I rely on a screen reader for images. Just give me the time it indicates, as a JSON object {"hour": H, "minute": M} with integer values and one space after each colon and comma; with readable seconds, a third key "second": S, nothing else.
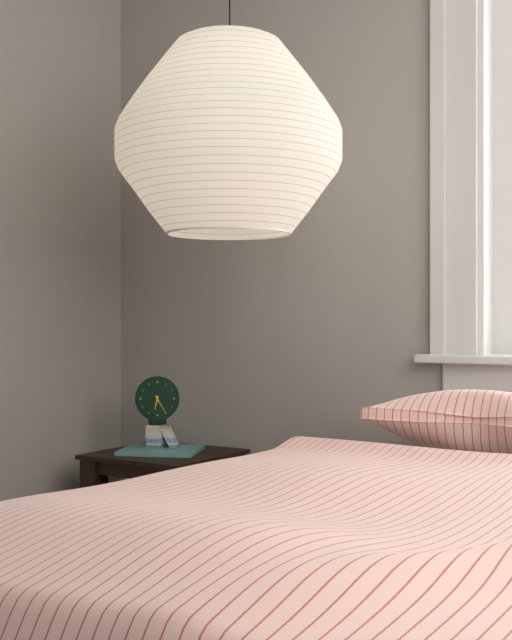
{"hour": 6, "minute": 25}
